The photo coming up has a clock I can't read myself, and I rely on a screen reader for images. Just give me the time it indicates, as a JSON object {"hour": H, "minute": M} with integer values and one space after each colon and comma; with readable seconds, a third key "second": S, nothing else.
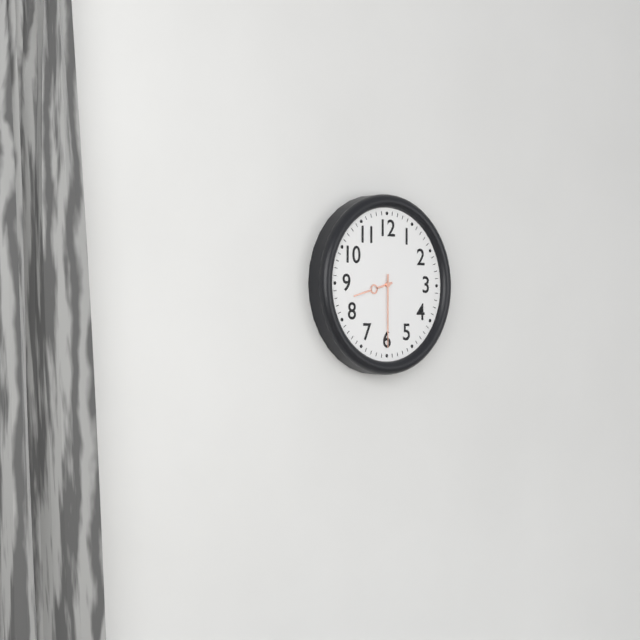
{"hour": 8, "minute": 30}
